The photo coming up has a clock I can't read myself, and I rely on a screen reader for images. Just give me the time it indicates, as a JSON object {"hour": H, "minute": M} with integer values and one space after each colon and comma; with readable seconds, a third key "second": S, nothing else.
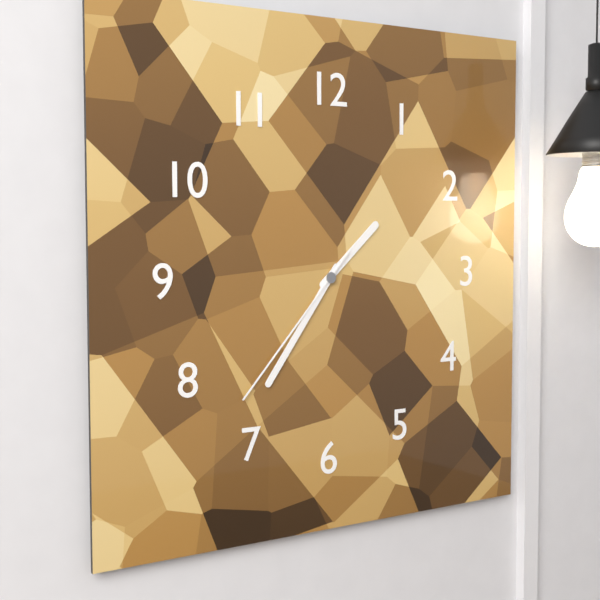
{"hour": 1, "minute": 36, "second": 37}
